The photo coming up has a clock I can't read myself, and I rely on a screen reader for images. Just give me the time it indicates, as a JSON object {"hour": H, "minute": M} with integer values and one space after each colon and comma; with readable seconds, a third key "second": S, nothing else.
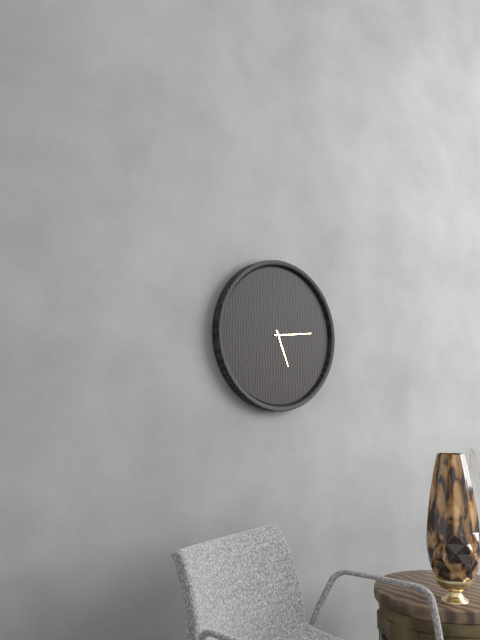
{"hour": 5, "minute": 14}
